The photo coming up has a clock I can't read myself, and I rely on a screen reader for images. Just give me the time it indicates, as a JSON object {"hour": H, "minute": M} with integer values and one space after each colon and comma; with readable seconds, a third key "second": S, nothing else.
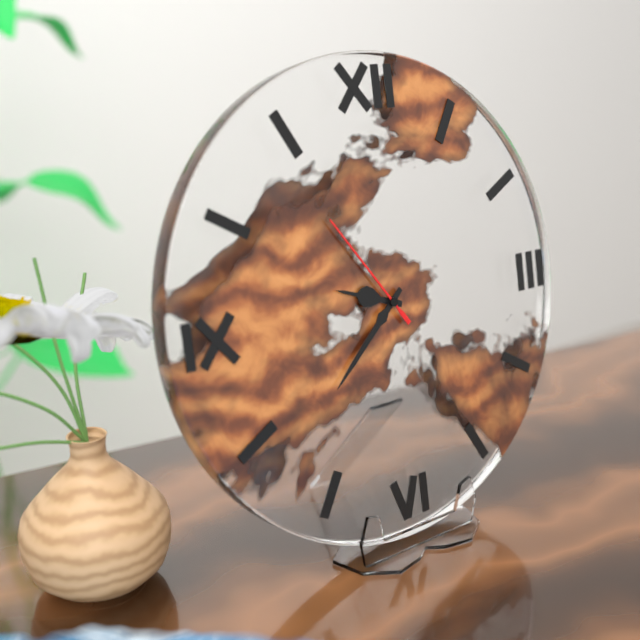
{"hour": 9, "minute": 38, "second": 54}
